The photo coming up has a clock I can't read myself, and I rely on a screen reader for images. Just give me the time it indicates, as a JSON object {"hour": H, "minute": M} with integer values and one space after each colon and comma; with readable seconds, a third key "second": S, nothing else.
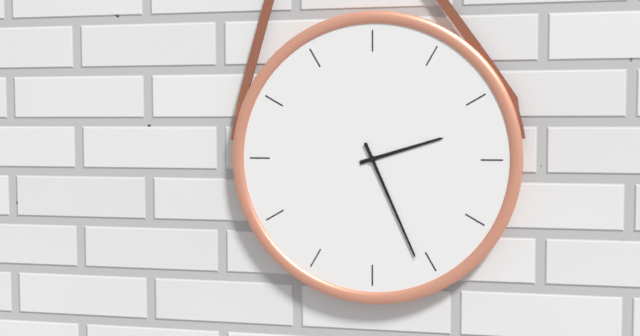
{"hour": 2, "minute": 26}
